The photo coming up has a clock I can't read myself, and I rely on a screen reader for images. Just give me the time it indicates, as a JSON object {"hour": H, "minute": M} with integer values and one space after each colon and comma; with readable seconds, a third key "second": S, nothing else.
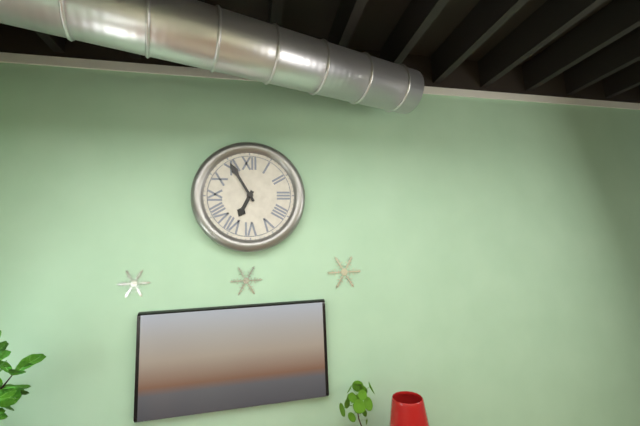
{"hour": 6, "minute": 55}
